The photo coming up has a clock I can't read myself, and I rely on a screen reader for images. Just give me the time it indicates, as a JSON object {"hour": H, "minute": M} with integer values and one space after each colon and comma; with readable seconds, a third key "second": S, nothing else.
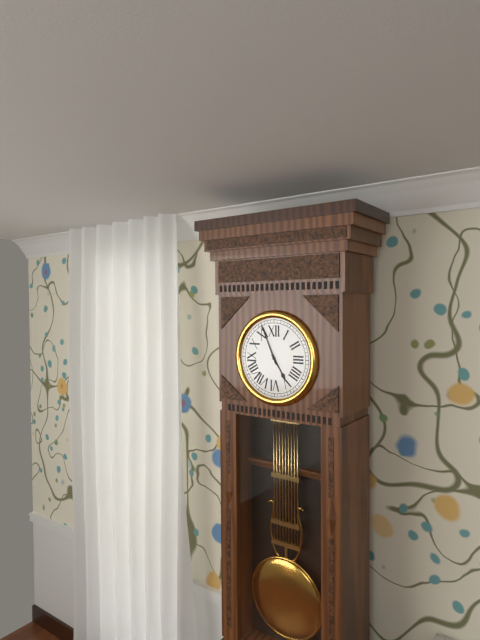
{"hour": 4, "minute": 56}
